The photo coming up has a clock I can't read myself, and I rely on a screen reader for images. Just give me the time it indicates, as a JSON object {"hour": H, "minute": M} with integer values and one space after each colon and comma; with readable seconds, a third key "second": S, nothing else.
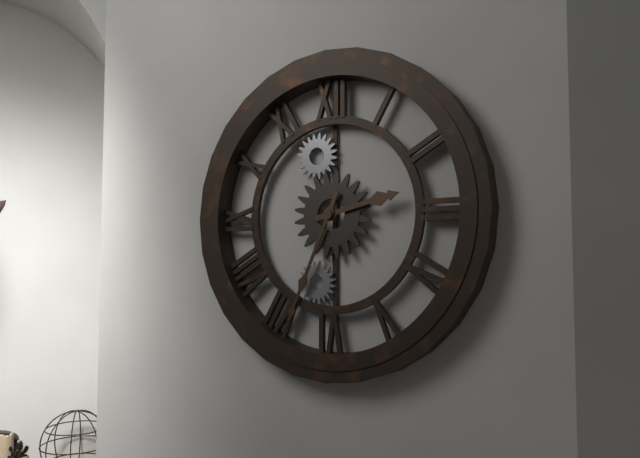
{"hour": 2, "minute": 34}
